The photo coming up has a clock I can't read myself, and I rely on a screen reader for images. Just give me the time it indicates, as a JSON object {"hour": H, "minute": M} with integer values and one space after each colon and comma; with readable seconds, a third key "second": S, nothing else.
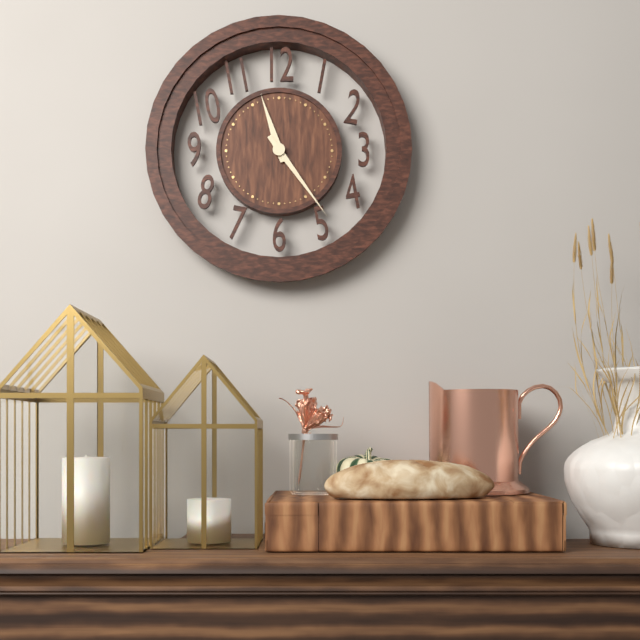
{"hour": 11, "minute": 24}
